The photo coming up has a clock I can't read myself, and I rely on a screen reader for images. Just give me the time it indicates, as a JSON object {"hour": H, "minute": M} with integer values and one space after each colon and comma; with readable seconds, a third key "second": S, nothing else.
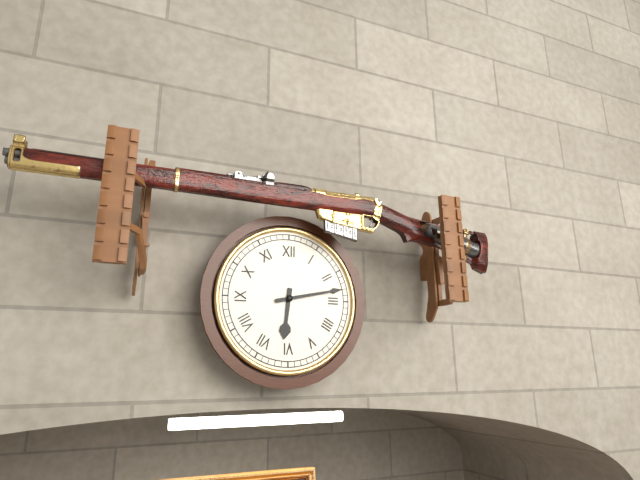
{"hour": 6, "minute": 13}
